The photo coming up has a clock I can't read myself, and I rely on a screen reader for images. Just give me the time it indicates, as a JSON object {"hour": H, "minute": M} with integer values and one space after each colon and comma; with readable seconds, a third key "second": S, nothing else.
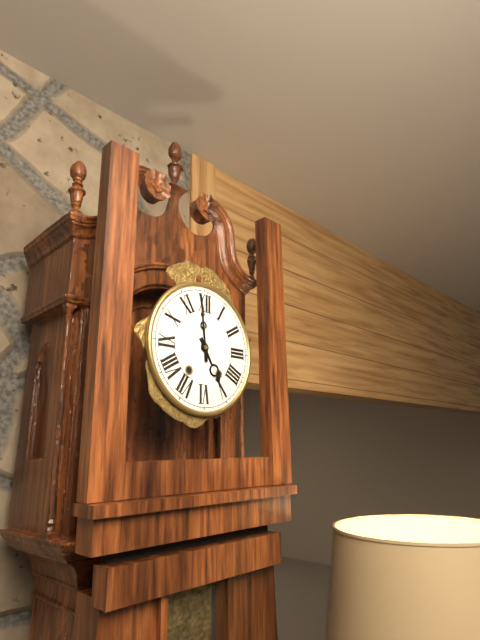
{"hour": 4, "minute": 59}
